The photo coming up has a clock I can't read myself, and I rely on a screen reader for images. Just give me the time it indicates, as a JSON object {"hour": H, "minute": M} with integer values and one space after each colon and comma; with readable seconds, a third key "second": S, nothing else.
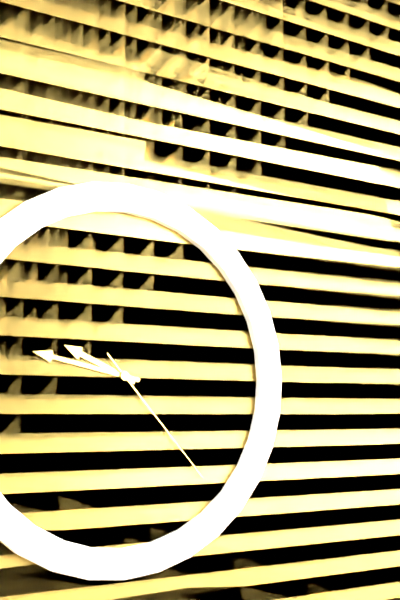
{"hour": 9, "minute": 47, "second": 23}
